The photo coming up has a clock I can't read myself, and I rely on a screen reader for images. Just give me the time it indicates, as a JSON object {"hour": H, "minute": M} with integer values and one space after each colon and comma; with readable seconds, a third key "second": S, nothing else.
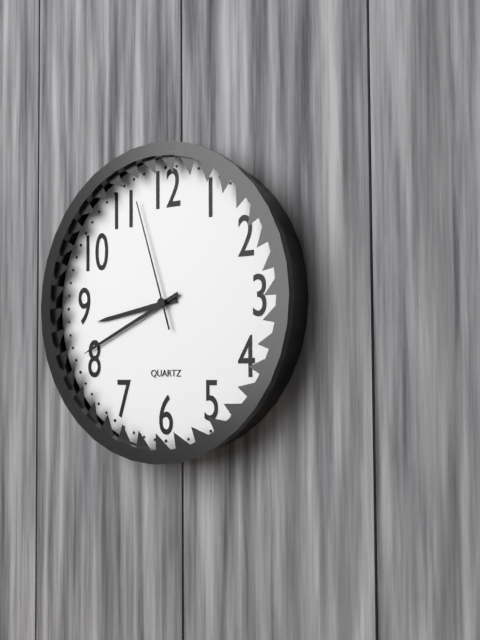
{"hour": 8, "minute": 41, "second": 57}
